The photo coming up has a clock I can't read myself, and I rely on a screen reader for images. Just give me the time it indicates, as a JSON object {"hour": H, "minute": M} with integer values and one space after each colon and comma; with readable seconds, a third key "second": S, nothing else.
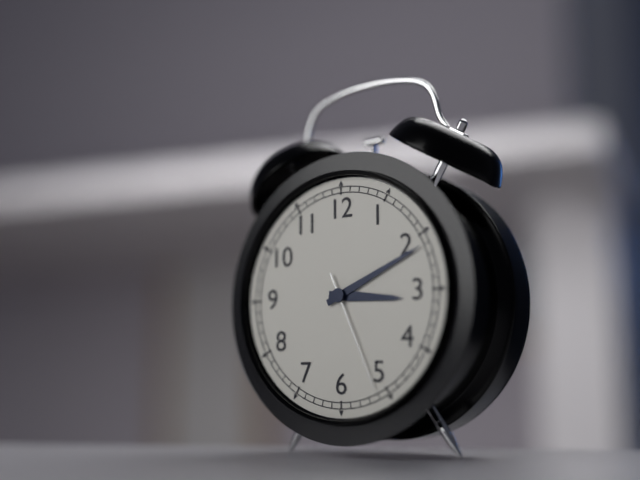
{"hour": 3, "minute": 11, "second": 26}
